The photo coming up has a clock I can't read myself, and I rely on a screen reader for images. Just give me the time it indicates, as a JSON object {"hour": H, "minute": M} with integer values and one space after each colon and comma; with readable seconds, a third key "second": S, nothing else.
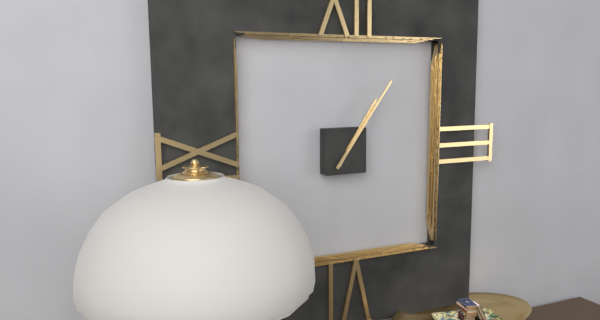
{"hour": 1, "minute": 6}
